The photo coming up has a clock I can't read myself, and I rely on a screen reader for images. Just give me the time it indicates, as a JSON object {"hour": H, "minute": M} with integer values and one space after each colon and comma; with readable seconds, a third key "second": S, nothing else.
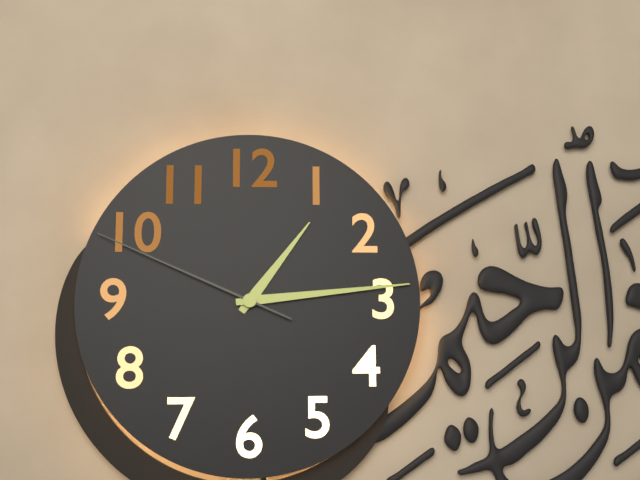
{"hour": 1, "minute": 14, "second": 49}
